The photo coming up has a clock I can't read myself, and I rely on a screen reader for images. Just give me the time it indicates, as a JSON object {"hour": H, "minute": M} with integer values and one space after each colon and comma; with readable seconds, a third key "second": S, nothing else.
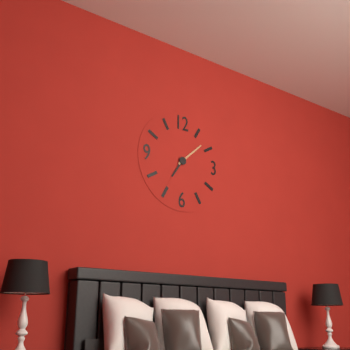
{"hour": 7, "minute": 8}
